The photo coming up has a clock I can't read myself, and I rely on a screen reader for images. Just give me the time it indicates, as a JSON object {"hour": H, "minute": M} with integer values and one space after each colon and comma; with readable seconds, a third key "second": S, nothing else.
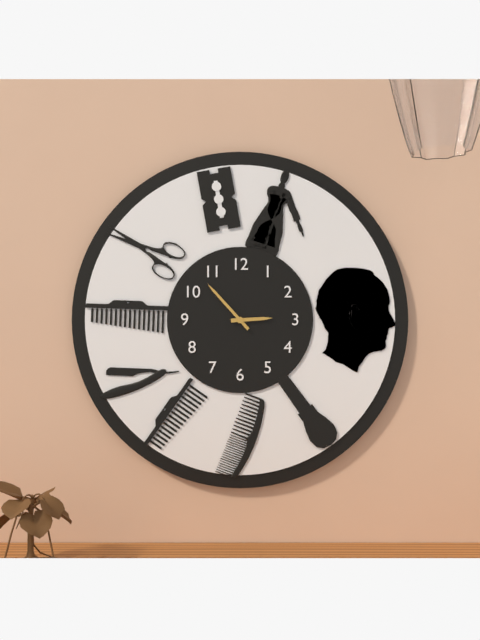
{"hour": 2, "minute": 53}
